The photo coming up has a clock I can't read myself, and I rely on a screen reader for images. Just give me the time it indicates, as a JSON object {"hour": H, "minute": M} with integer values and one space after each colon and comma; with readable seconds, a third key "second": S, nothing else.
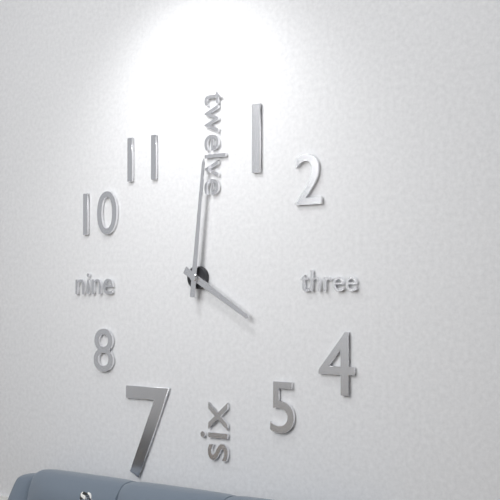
{"hour": 4, "minute": 1}
